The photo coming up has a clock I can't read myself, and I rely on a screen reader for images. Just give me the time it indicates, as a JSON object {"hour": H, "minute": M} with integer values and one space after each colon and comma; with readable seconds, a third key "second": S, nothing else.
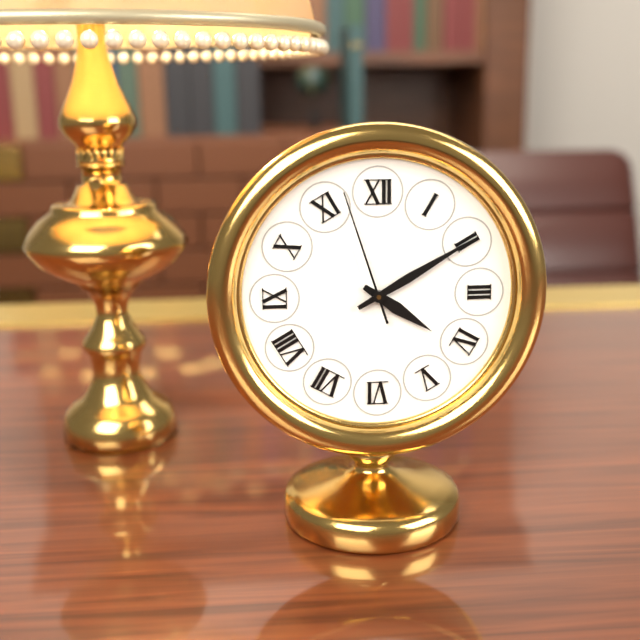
{"hour": 4, "minute": 10, "second": 57}
